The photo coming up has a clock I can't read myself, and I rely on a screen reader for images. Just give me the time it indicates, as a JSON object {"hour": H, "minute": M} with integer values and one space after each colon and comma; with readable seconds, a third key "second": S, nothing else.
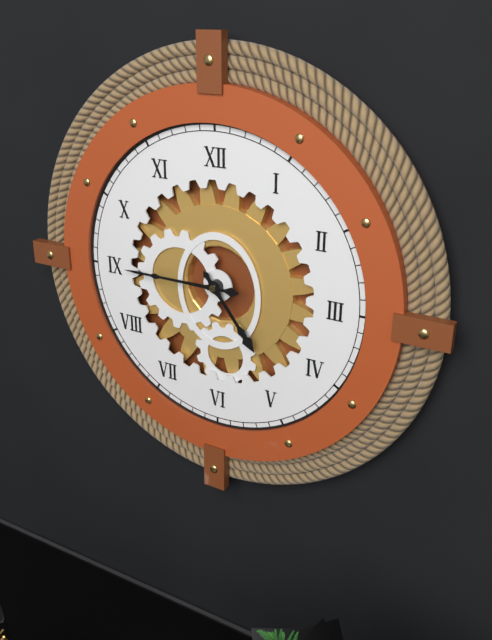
{"hour": 4, "minute": 45}
